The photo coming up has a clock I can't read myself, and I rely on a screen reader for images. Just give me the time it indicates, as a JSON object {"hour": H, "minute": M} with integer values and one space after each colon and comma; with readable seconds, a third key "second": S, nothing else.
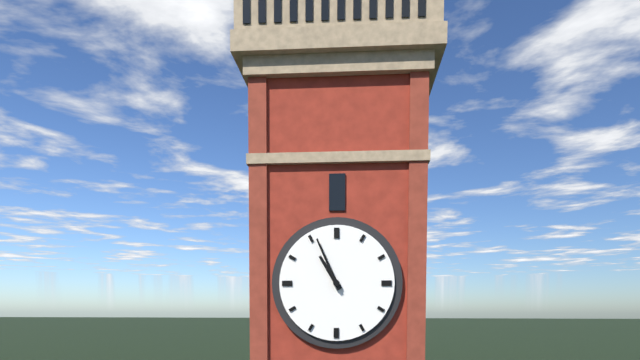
{"hour": 10, "minute": 56}
